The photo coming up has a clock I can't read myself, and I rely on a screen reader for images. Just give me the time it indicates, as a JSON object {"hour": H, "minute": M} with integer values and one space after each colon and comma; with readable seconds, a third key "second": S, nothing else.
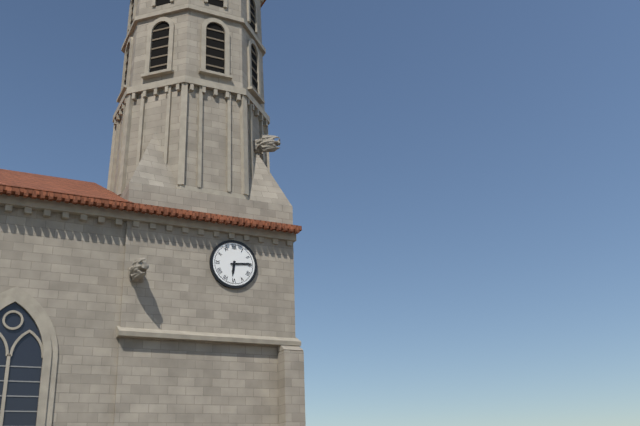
{"hour": 6, "minute": 14}
